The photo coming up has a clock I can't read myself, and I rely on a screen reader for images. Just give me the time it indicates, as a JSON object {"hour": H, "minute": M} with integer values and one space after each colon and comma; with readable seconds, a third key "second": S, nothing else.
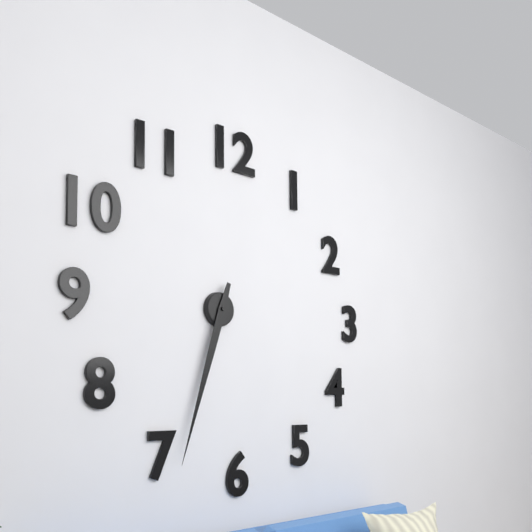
{"hour": 6, "minute": 33}
